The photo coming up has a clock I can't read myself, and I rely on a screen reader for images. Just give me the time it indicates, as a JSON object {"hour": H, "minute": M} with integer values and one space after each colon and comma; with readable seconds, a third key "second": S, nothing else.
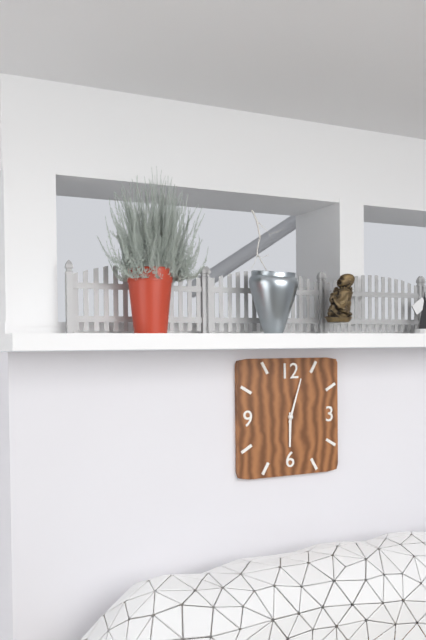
{"hour": 6, "minute": 3}
